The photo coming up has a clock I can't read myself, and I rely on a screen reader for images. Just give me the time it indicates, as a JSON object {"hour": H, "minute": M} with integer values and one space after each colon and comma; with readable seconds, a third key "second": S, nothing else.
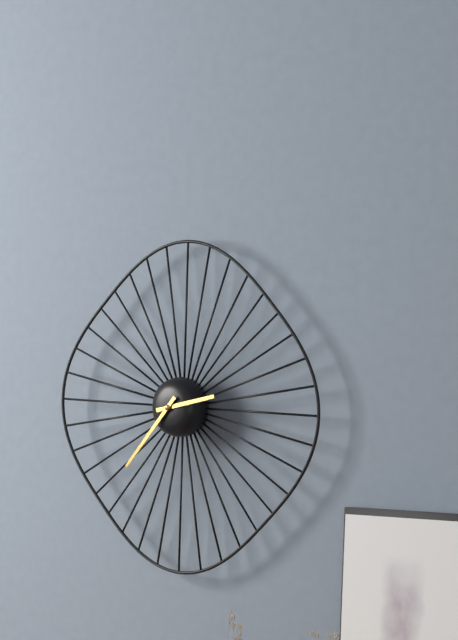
{"hour": 2, "minute": 37}
